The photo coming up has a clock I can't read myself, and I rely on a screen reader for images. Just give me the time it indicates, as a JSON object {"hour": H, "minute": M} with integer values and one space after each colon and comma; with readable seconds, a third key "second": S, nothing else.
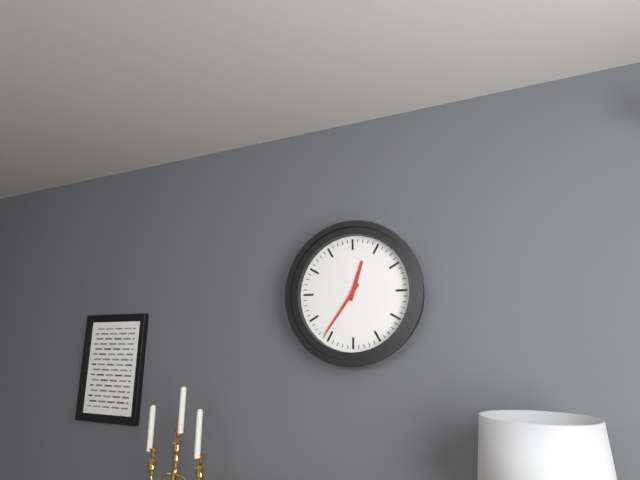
{"hour": 12, "minute": 36}
